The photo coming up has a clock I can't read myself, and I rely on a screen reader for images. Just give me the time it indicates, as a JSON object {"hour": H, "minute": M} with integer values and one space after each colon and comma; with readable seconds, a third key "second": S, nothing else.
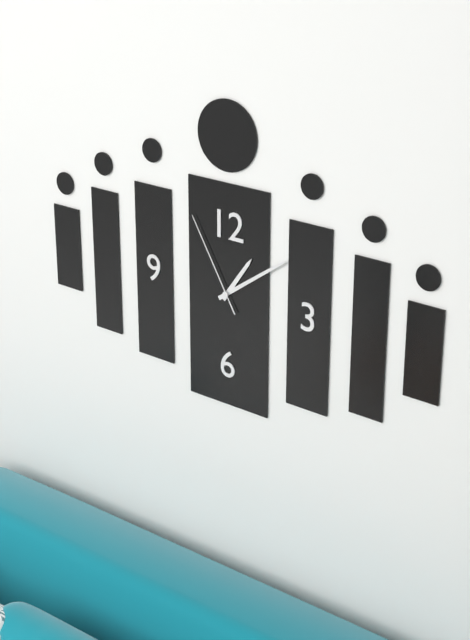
{"hour": 1, "minute": 9, "second": 55}
